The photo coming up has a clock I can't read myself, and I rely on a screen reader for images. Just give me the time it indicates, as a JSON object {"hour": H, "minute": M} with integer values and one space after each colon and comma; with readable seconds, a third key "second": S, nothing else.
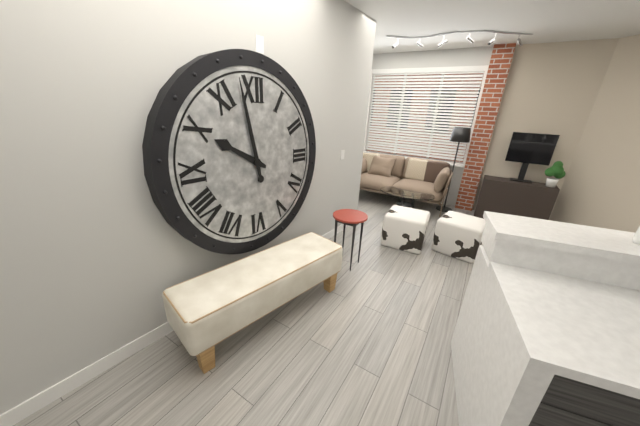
{"hour": 9, "minute": 58}
